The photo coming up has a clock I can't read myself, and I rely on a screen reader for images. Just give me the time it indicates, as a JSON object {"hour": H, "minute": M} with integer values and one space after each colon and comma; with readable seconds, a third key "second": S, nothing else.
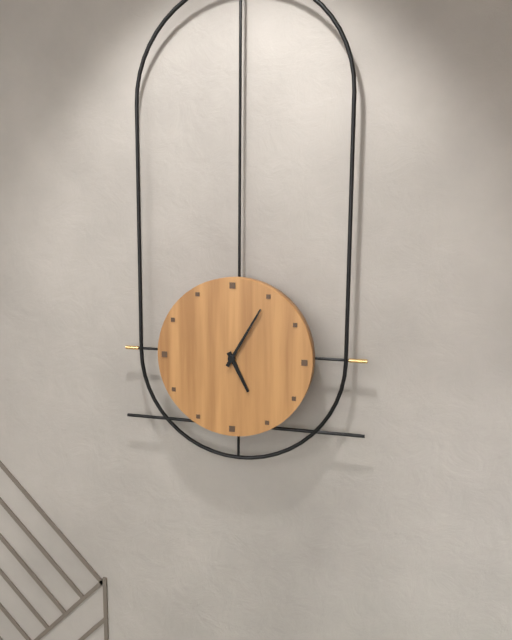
{"hour": 5, "minute": 5}
